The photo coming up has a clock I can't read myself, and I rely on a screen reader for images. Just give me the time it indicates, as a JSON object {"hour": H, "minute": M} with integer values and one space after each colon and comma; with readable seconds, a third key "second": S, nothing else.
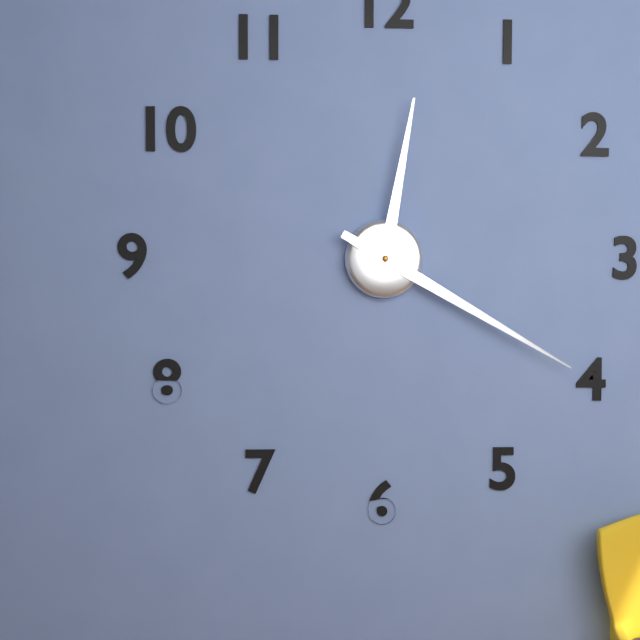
{"hour": 12, "minute": 20}
